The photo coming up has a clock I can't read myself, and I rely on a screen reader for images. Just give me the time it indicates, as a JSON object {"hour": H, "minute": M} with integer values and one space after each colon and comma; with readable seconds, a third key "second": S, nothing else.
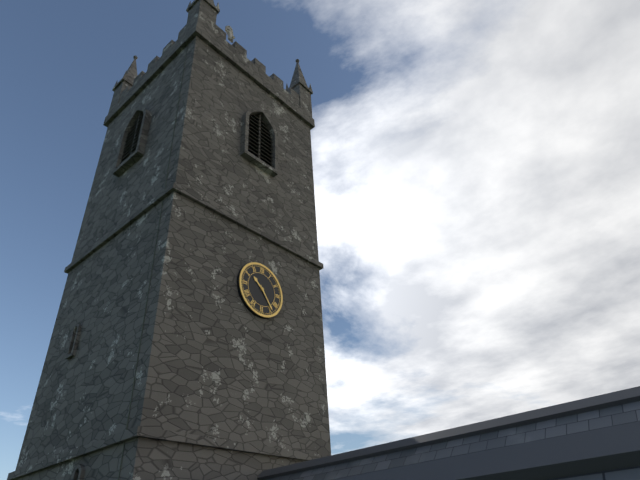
{"hour": 10, "minute": 24}
